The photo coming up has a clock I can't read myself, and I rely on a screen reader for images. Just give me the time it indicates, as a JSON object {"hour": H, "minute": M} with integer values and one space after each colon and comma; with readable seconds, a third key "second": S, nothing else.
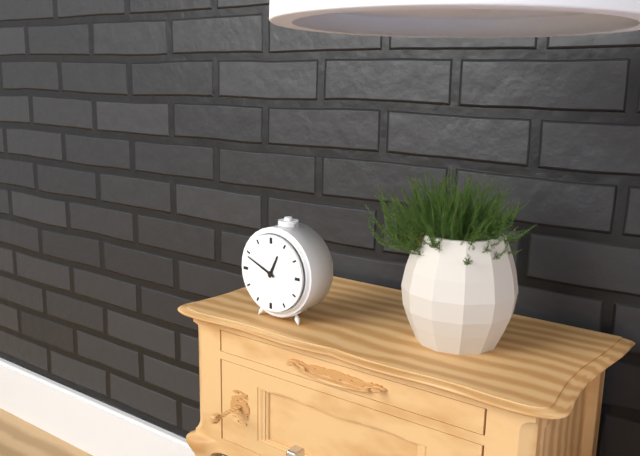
{"hour": 12, "minute": 49}
